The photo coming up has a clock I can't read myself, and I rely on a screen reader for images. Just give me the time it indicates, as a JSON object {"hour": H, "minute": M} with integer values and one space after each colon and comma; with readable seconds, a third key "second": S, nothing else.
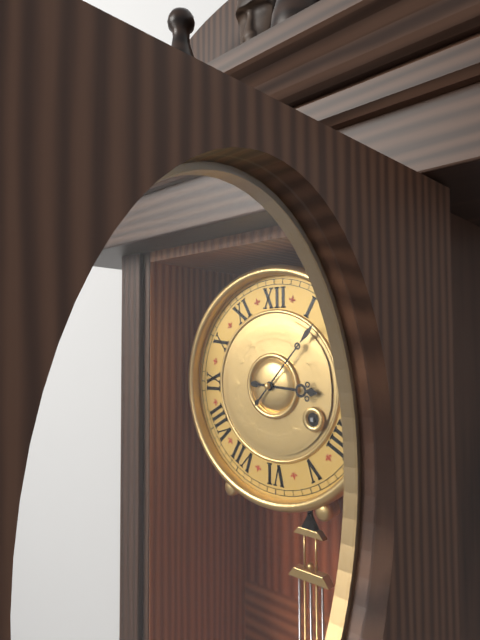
{"hour": 3, "minute": 7}
